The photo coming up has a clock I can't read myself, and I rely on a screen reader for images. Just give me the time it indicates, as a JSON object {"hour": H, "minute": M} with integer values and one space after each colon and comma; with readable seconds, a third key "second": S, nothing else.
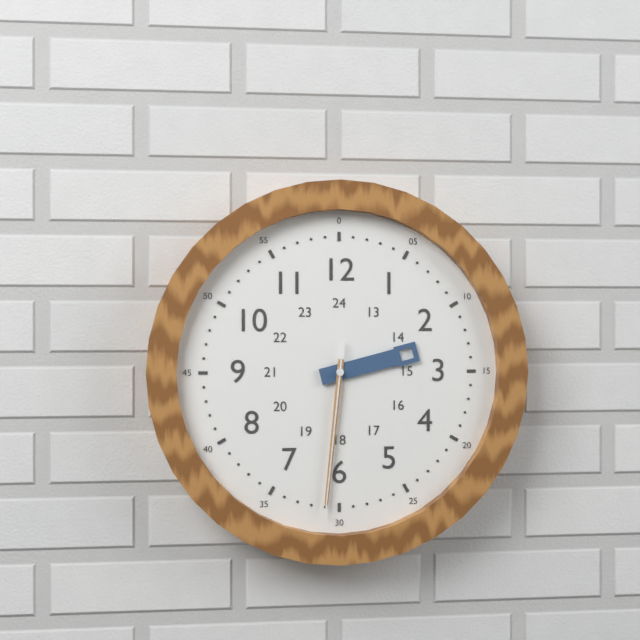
{"hour": 2, "minute": 31, "second": 31}
